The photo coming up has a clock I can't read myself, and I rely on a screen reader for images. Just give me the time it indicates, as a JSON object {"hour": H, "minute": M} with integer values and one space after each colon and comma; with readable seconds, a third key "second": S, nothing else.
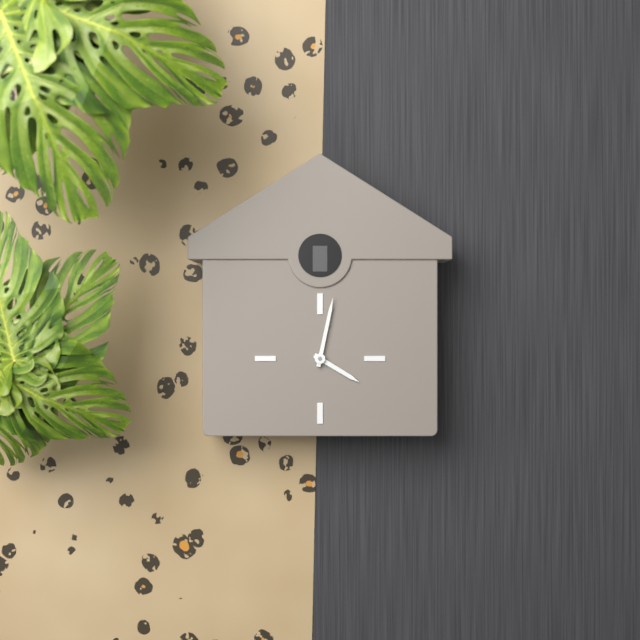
{"hour": 4, "minute": 2}
